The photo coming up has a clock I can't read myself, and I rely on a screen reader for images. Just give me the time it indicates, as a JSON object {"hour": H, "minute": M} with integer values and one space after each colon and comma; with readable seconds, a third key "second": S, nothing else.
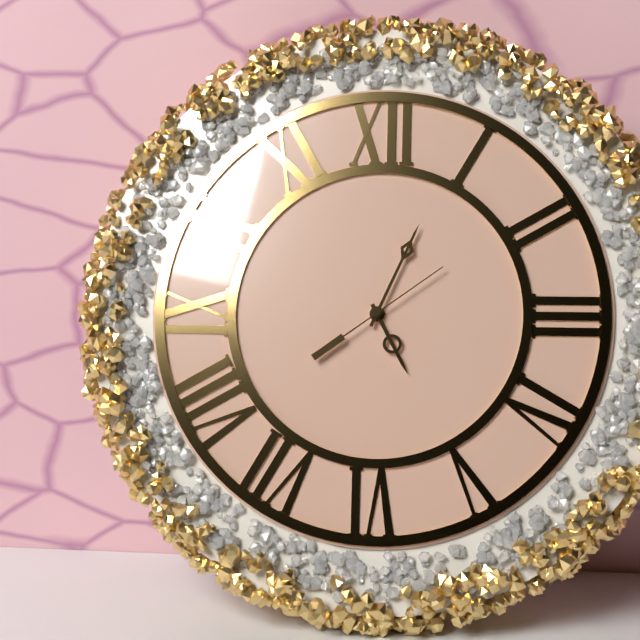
{"hour": 5, "minute": 4, "second": 9}
